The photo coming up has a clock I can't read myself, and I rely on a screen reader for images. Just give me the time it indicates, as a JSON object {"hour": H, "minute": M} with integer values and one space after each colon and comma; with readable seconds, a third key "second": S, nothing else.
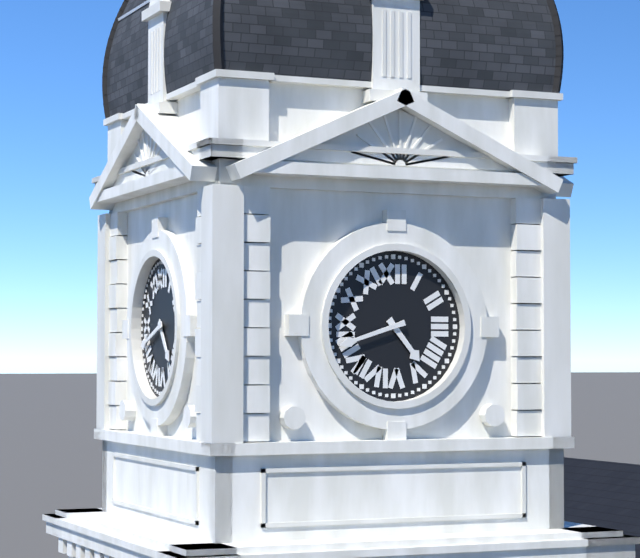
{"hour": 4, "minute": 42}
